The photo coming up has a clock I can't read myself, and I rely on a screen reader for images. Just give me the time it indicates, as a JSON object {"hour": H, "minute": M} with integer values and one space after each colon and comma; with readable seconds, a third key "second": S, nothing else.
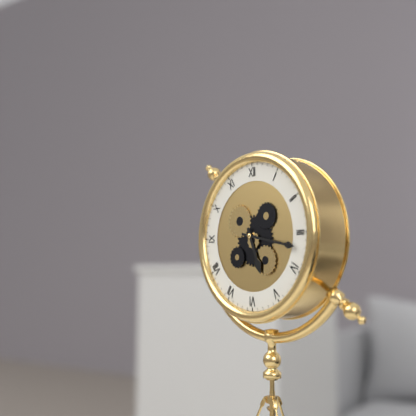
{"hour": 5, "minute": 17}
